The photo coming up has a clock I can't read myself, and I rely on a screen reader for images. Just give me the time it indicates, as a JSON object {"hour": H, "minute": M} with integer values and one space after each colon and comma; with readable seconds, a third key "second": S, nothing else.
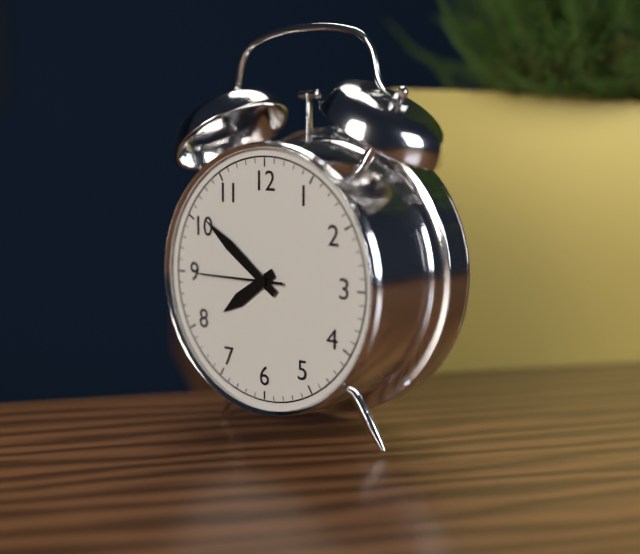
{"hour": 7, "minute": 51, "second": 45}
